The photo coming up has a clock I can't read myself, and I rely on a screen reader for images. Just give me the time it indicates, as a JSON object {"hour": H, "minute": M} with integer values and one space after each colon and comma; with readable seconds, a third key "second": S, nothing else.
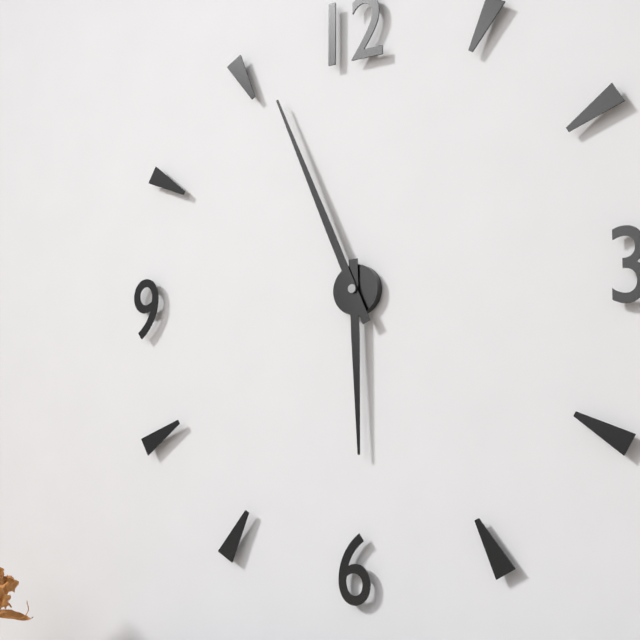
{"hour": 5, "minute": 56}
